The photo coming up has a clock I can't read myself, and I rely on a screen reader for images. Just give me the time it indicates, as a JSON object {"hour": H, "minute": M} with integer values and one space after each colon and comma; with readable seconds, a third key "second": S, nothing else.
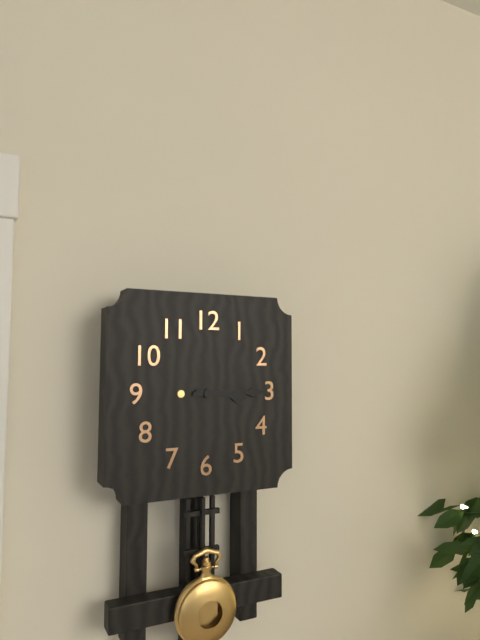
{"hour": 3, "minute": 15}
